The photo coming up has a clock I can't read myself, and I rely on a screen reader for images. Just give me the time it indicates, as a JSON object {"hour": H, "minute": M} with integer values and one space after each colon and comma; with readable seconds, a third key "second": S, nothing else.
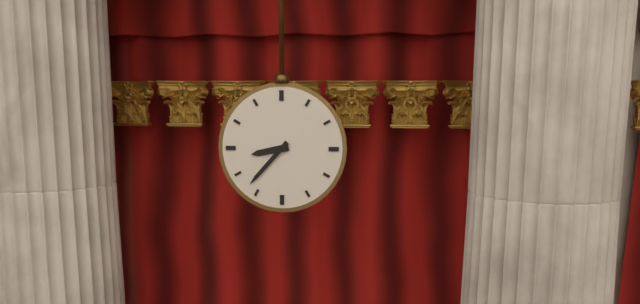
{"hour": 8, "minute": 37}
